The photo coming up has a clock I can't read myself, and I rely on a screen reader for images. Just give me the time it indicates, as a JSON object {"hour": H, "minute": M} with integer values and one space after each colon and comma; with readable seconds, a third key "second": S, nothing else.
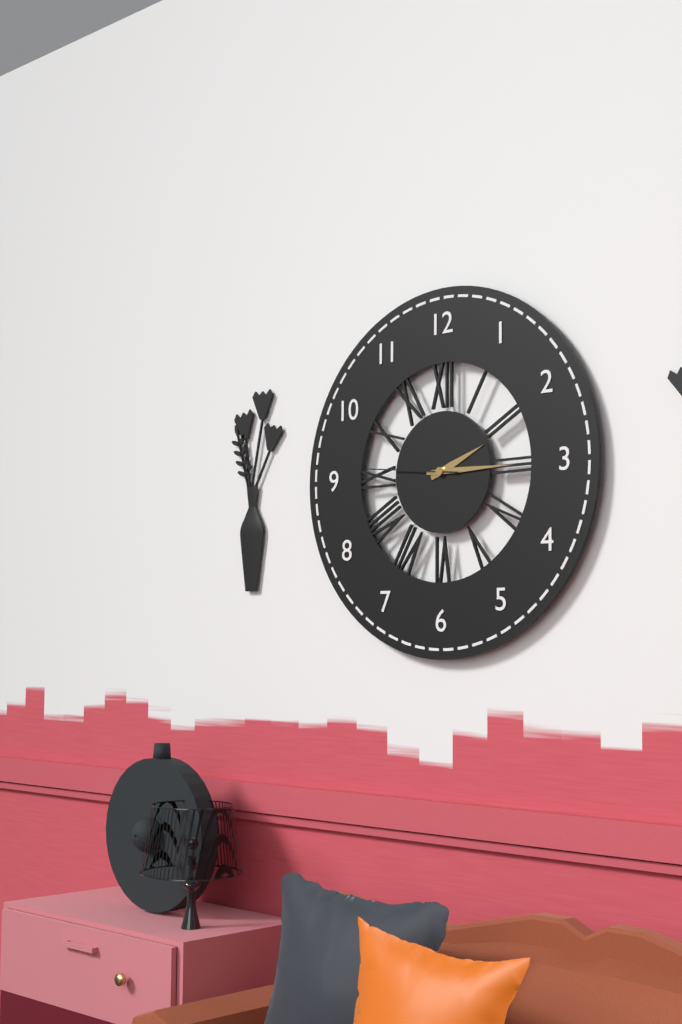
{"hour": 2, "minute": 15, "second": 46}
